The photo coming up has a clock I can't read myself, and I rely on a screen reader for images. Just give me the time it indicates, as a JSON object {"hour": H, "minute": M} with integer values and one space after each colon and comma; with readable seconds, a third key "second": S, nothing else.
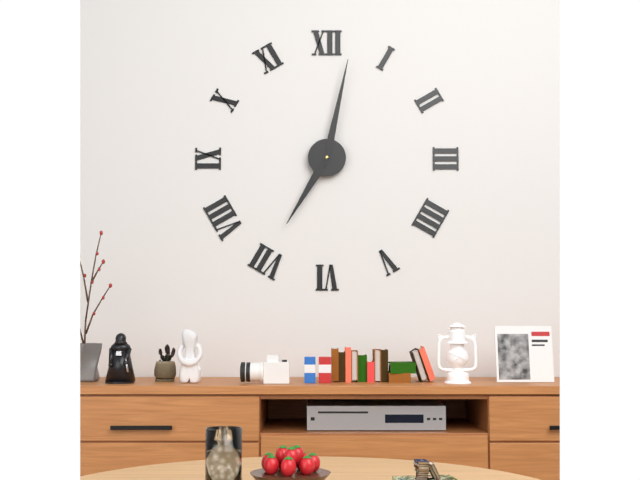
{"hour": 7, "minute": 2}
